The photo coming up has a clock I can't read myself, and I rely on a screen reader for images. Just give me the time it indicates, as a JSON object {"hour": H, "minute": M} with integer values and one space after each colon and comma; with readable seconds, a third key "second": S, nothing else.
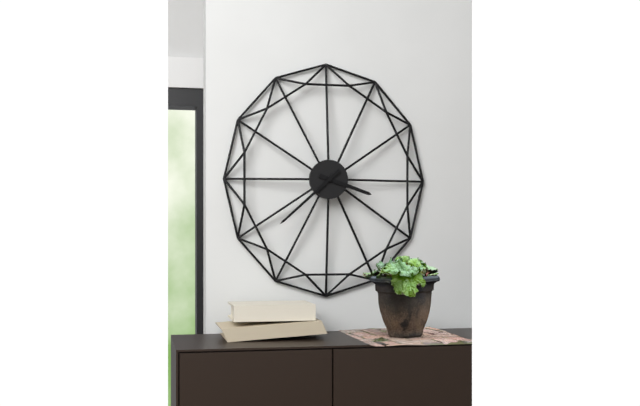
{"hour": 3, "minute": 38}
